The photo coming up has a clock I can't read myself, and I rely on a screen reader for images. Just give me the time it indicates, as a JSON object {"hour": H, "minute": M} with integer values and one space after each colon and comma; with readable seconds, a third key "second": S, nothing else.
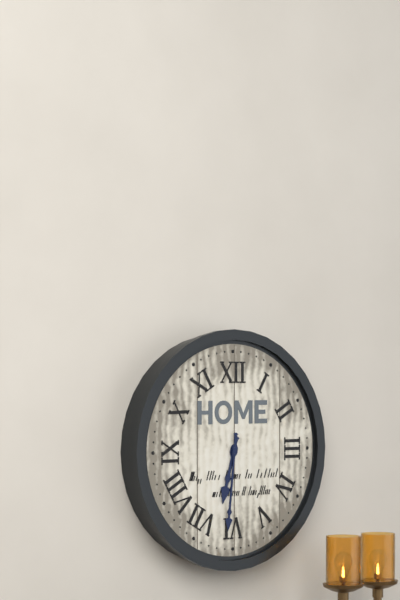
{"hour": 6, "minute": 31}
